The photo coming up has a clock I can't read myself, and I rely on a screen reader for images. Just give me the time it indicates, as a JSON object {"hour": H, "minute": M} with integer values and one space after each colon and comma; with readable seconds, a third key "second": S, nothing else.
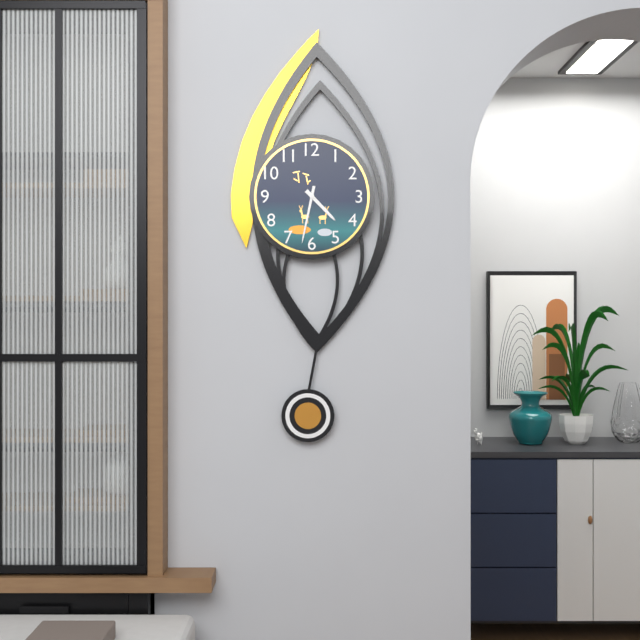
{"hour": 4, "minute": 32}
